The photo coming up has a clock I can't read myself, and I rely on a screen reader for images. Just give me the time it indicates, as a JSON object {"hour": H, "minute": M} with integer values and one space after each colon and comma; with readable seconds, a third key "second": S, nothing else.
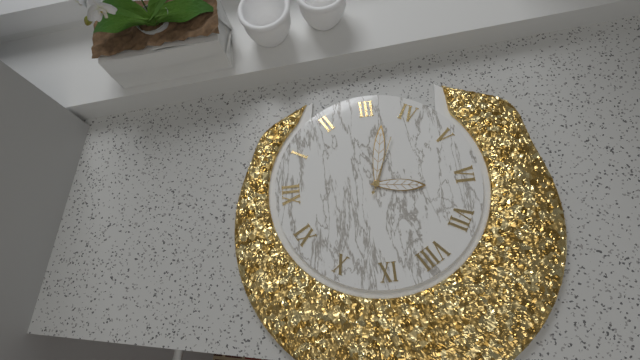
{"hour": 6, "minute": 17, "second": 19}
